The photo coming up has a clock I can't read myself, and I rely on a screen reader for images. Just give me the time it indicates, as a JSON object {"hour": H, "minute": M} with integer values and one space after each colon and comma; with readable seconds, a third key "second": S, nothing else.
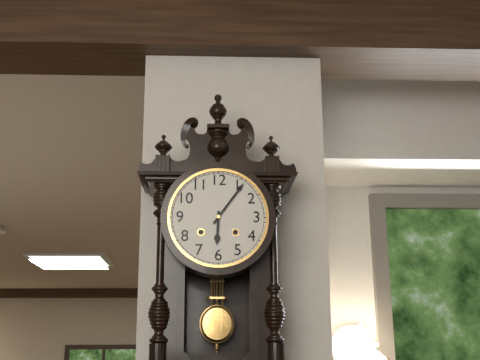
{"hour": 6, "minute": 6}
